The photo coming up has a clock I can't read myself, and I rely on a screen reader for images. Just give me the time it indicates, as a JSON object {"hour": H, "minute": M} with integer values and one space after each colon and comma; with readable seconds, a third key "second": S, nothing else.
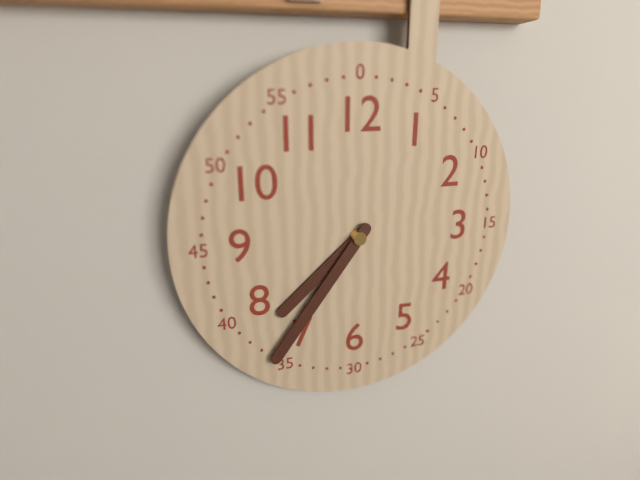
{"hour": 7, "minute": 36}
